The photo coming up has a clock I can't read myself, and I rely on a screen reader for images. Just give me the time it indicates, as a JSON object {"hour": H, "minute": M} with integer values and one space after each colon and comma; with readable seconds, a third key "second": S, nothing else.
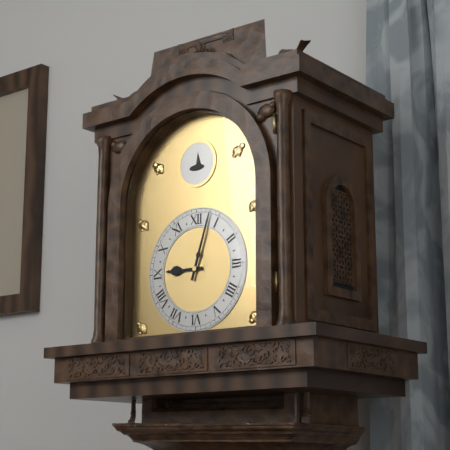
{"hour": 9, "minute": 3}
